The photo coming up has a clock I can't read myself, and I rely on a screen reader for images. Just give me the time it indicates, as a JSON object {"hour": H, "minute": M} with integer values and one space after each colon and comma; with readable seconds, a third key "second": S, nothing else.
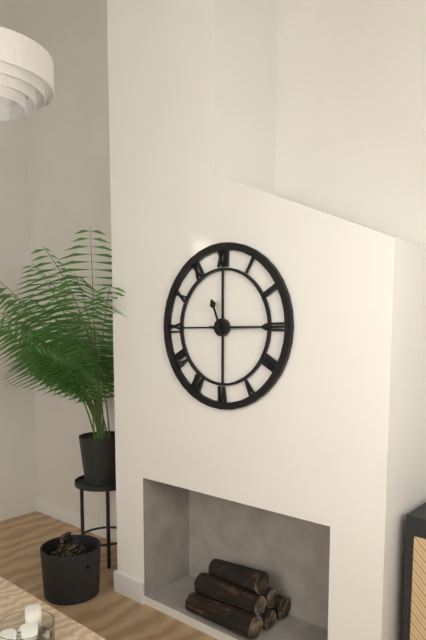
{"hour": 11, "minute": 15}
